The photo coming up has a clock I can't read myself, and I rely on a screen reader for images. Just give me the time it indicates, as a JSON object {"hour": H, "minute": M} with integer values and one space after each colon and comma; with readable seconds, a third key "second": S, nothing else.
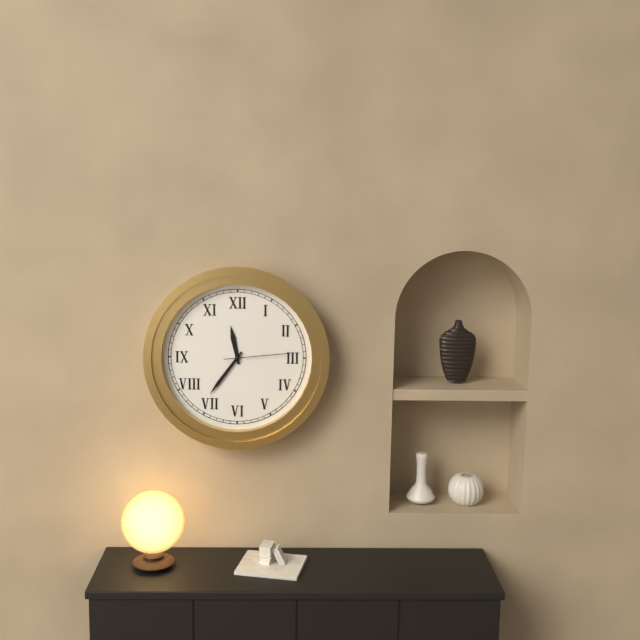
{"hour": 11, "minute": 36, "second": 14}
